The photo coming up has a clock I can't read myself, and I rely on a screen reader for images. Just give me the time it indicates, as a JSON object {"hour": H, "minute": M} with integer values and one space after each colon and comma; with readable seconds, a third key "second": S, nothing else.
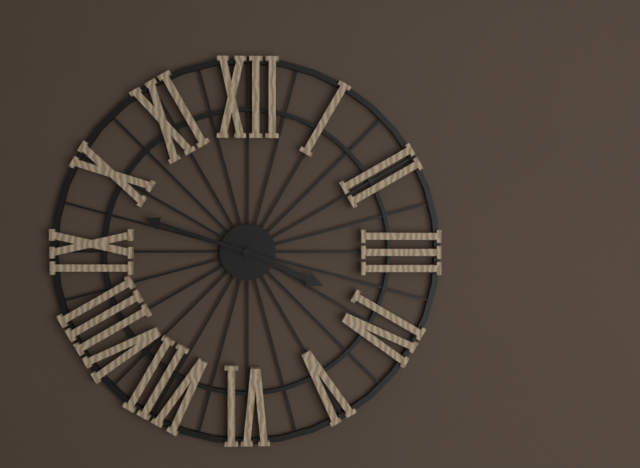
{"hour": 3, "minute": 48}
